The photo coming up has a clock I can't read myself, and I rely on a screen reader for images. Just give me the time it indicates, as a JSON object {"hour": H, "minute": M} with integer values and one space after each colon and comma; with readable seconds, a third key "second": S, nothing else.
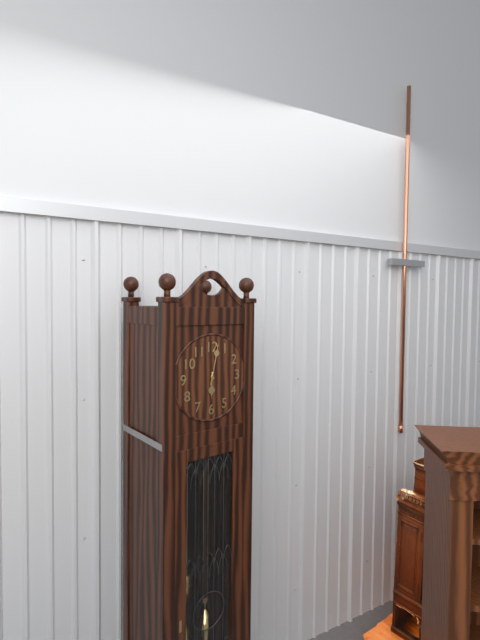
{"hour": 6, "minute": 2}
